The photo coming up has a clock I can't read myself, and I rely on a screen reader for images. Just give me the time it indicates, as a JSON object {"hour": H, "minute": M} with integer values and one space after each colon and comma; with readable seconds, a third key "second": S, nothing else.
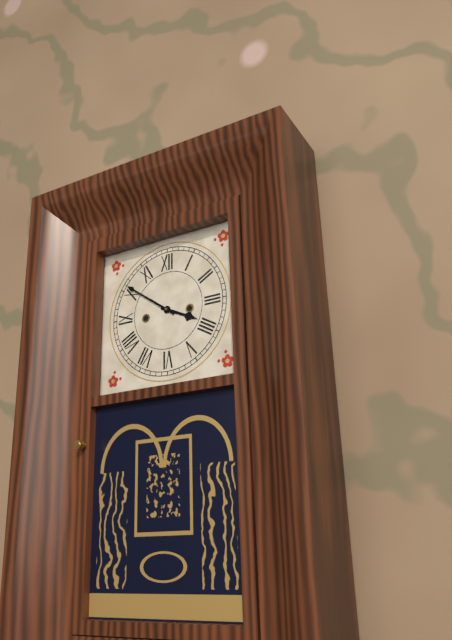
{"hour": 3, "minute": 51}
